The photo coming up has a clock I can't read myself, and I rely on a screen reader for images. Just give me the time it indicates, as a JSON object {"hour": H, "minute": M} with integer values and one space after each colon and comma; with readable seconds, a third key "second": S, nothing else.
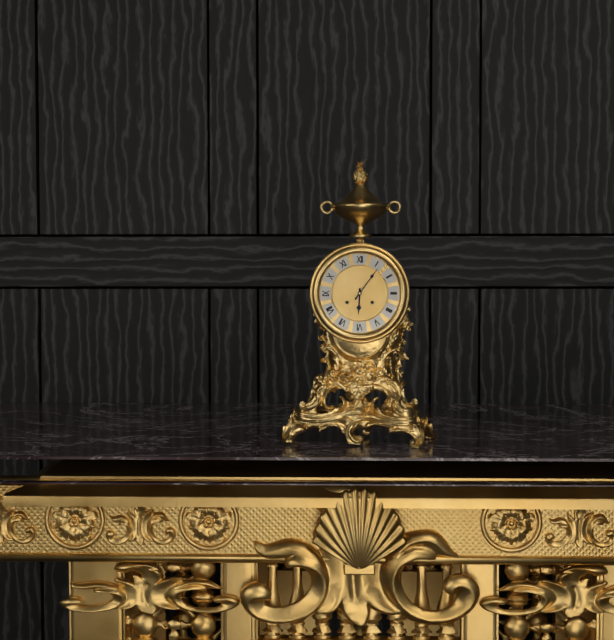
{"hour": 6, "minute": 6}
